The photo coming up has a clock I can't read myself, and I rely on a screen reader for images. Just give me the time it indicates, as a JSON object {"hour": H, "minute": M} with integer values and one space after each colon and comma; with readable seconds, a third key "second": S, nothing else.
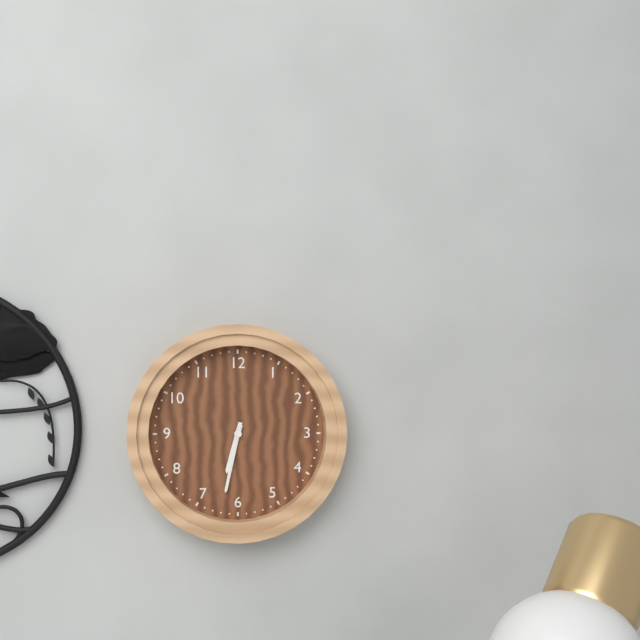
{"hour": 6, "minute": 32}
